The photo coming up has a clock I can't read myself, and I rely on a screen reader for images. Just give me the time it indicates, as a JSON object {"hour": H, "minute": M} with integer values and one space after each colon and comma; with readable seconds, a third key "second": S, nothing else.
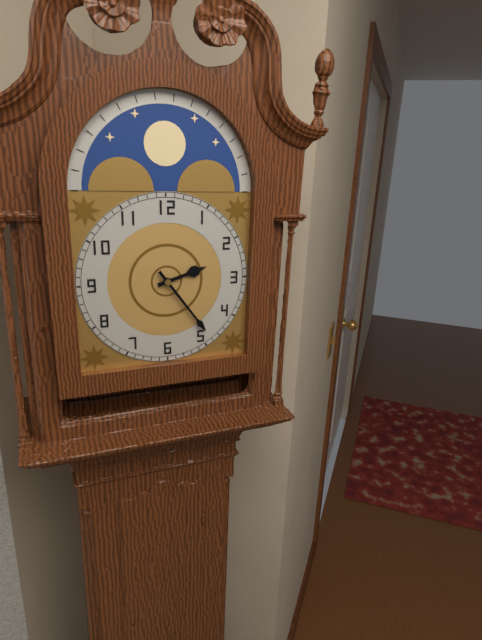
{"hour": 2, "minute": 24}
